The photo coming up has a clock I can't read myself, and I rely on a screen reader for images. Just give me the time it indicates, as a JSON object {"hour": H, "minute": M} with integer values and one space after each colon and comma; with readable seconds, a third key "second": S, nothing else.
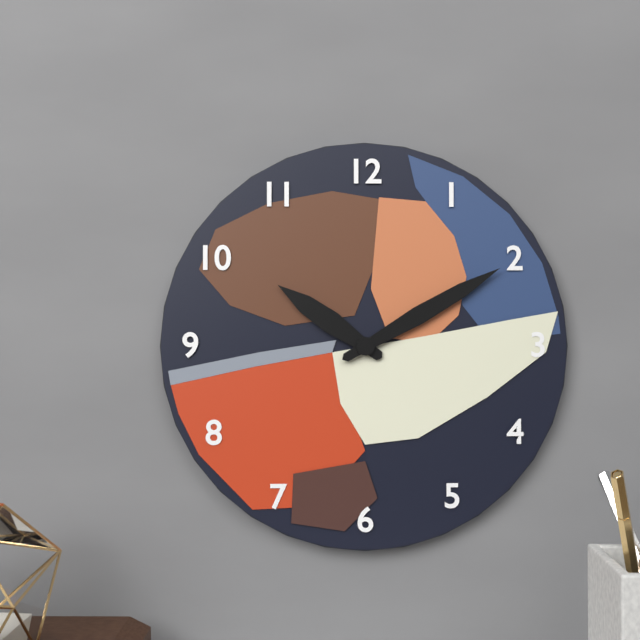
{"hour": 10, "minute": 10}
